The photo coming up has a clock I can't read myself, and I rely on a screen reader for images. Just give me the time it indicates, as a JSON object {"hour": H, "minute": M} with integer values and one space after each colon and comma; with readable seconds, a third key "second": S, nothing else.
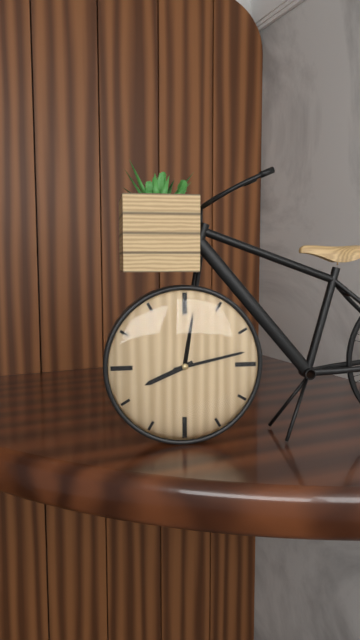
{"hour": 8, "minute": 13}
